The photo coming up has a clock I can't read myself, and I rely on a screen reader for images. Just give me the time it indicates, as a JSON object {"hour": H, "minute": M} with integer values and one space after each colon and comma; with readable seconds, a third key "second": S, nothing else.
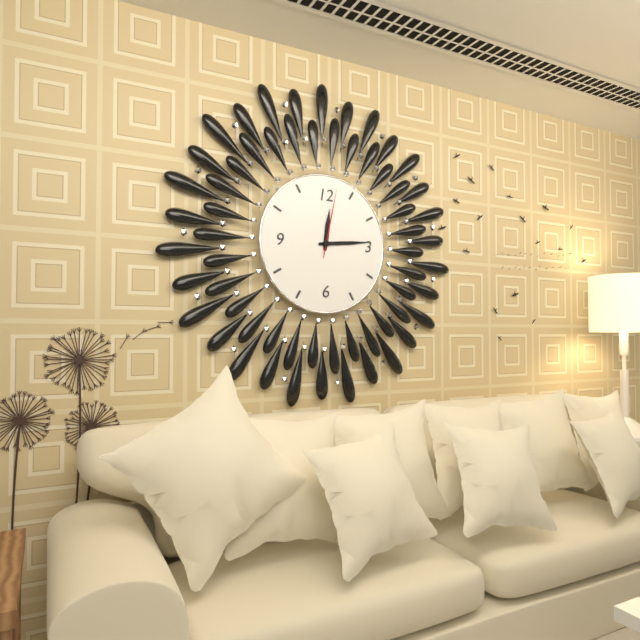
{"hour": 12, "minute": 14, "second": 2}
